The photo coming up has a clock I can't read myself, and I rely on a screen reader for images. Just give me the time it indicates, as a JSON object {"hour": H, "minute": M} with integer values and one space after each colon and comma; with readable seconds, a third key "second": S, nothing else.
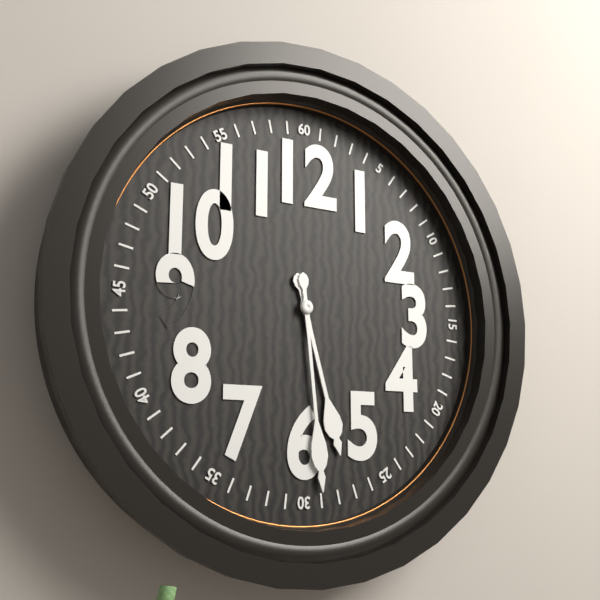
{"hour": 5, "minute": 29}
